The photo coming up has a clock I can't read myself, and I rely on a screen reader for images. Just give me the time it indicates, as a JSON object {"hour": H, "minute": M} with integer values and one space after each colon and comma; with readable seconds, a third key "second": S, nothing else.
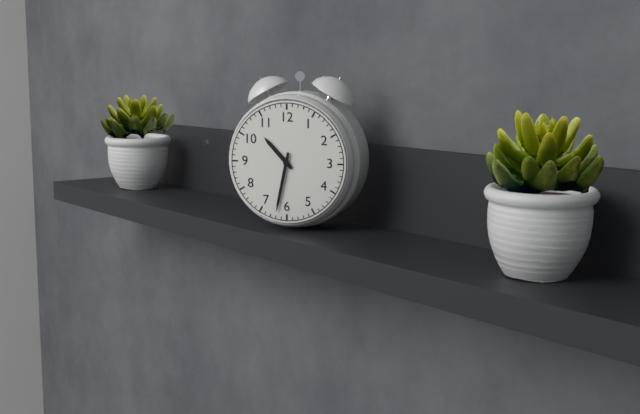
{"hour": 10, "minute": 32}
